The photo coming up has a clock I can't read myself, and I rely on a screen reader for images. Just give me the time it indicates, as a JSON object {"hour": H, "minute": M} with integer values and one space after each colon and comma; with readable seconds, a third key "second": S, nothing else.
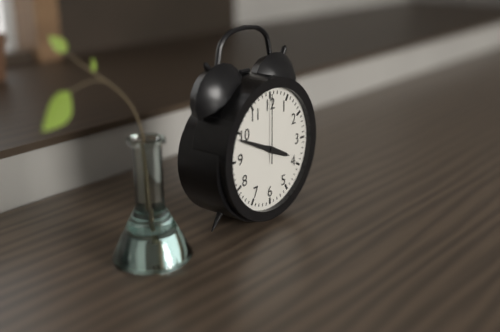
{"hour": 3, "minute": 49, "second": 0}
